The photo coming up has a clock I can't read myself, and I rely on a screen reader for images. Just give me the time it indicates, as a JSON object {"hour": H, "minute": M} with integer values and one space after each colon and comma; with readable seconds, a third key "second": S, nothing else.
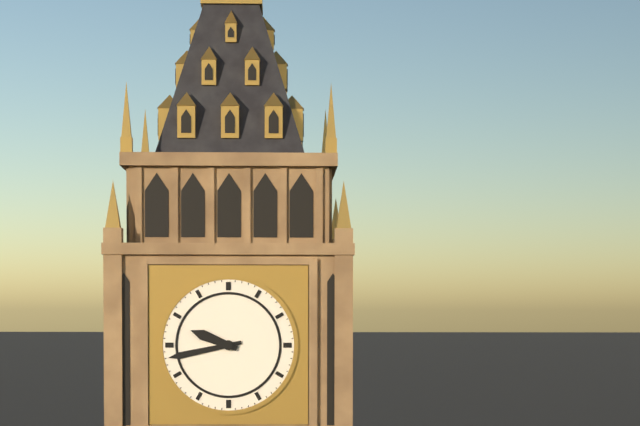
{"hour": 9, "minute": 43}
